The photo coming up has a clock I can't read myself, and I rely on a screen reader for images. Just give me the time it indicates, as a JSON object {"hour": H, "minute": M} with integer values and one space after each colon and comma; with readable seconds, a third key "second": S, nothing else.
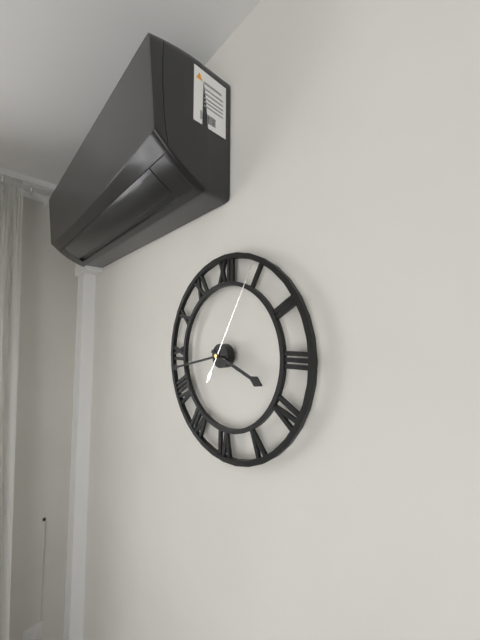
{"hour": 3, "minute": 43, "second": 5}
